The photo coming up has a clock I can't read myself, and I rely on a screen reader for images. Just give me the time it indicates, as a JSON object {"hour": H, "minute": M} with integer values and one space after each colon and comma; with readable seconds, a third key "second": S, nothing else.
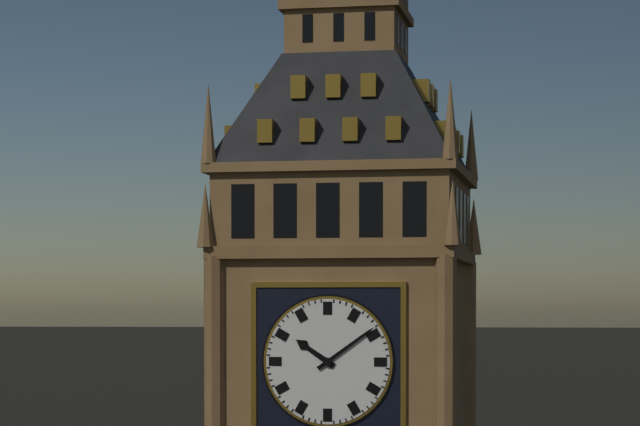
{"hour": 10, "minute": 9}
